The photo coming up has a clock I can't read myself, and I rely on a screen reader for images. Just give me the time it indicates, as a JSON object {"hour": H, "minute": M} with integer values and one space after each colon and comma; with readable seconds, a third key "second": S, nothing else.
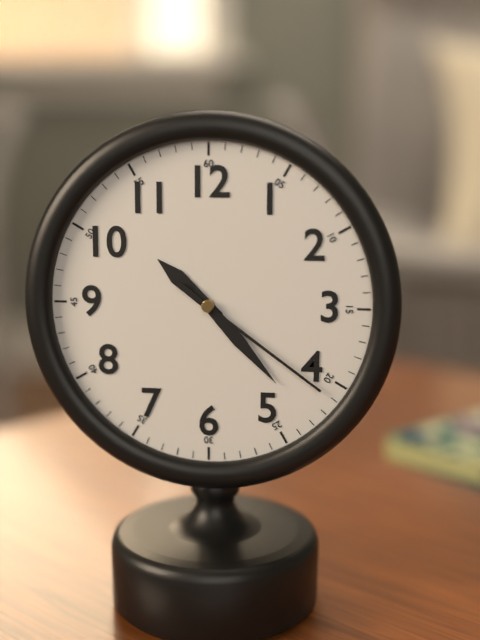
{"hour": 10, "minute": 23, "second": 21}
